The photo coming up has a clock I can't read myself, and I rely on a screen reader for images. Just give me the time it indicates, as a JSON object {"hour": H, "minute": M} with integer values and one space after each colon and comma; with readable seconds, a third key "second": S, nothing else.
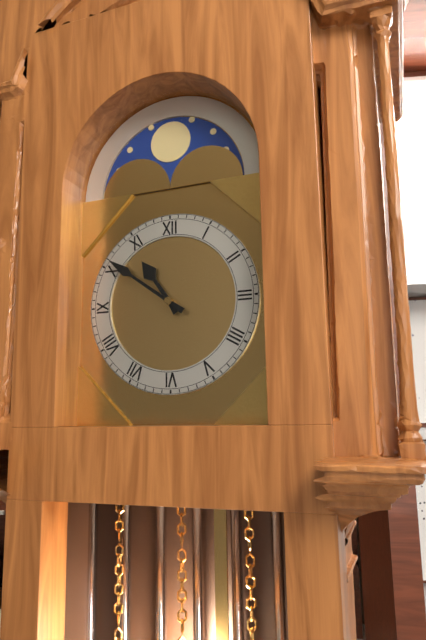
{"hour": 10, "minute": 51}
